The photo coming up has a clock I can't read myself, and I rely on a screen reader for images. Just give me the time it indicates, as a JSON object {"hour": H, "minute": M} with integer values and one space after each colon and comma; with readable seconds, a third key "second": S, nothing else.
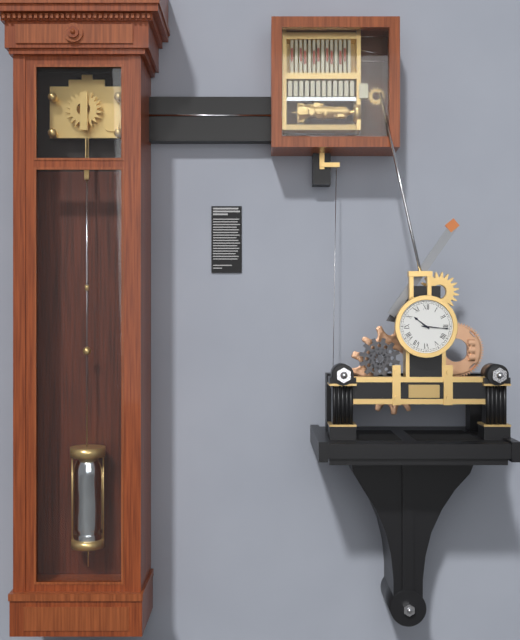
{"hour": 10, "minute": 16}
